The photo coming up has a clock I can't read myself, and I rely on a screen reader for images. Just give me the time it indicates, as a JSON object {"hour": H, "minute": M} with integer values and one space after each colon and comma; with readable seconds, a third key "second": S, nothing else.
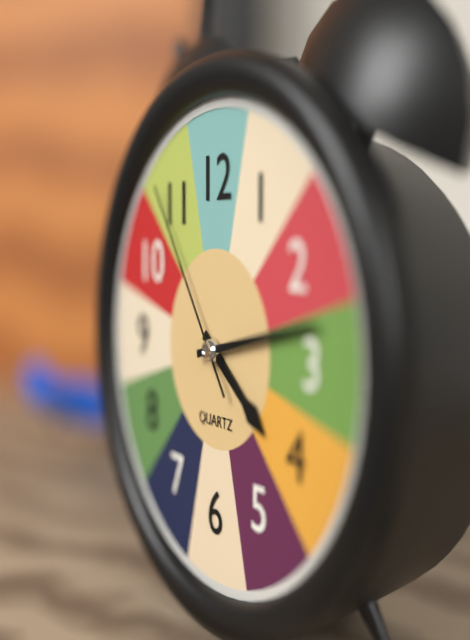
{"hour": 4, "minute": 13, "second": 54}
